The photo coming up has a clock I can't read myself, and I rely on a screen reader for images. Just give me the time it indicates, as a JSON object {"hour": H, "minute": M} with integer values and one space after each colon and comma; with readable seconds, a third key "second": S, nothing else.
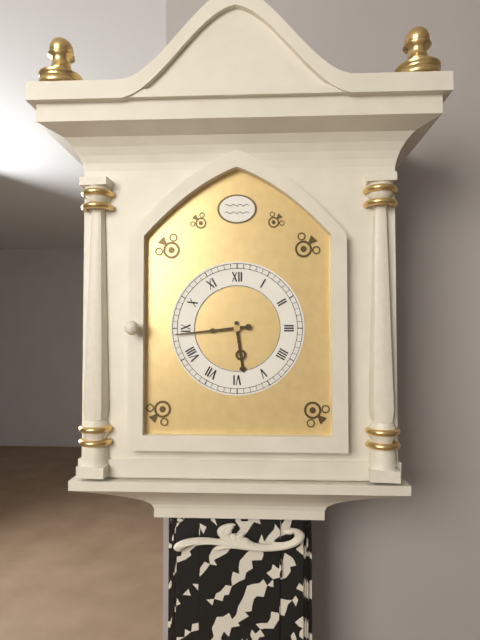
{"hour": 5, "minute": 44}
